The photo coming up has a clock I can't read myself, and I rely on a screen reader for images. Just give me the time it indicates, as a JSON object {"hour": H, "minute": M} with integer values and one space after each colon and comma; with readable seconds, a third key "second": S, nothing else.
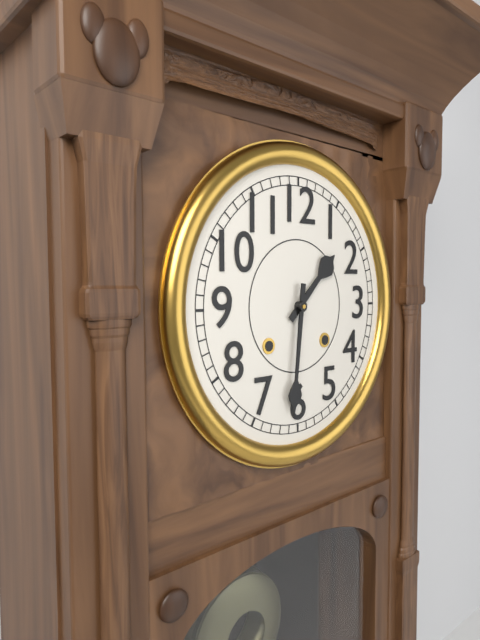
{"hour": 1, "minute": 31}
